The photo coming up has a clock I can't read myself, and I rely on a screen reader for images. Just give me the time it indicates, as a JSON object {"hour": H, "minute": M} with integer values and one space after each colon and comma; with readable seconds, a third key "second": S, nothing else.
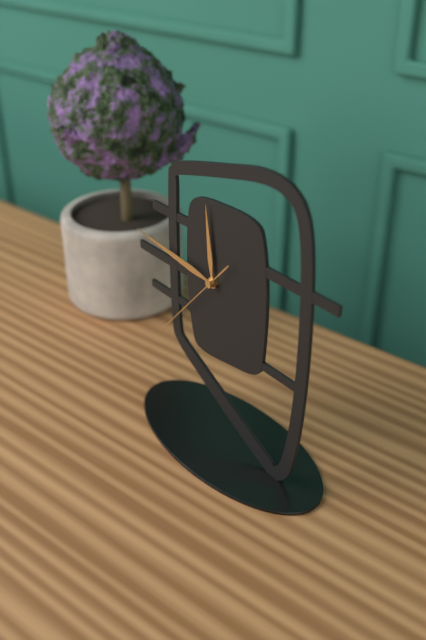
{"hour": 11, "minute": 46, "second": 37}
